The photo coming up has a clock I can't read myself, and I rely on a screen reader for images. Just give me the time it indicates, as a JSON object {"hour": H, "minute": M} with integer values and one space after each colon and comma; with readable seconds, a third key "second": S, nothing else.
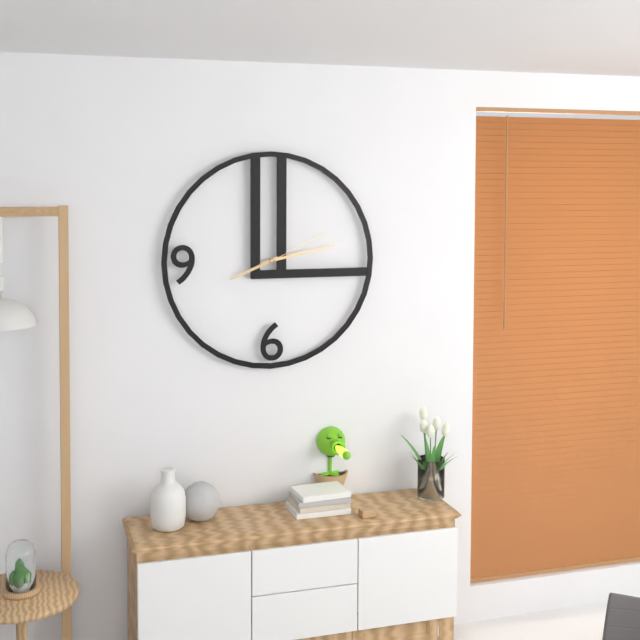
{"hour": 8, "minute": 13, "second": 11}
